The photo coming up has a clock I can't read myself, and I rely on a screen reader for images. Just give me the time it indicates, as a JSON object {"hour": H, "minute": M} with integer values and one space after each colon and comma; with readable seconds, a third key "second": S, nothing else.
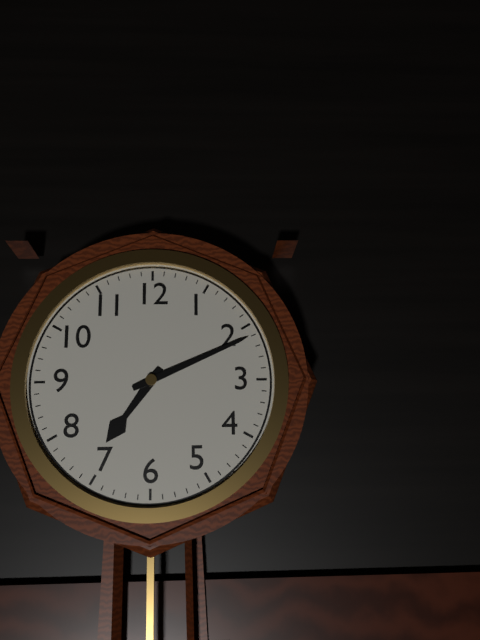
{"hour": 7, "minute": 11}
